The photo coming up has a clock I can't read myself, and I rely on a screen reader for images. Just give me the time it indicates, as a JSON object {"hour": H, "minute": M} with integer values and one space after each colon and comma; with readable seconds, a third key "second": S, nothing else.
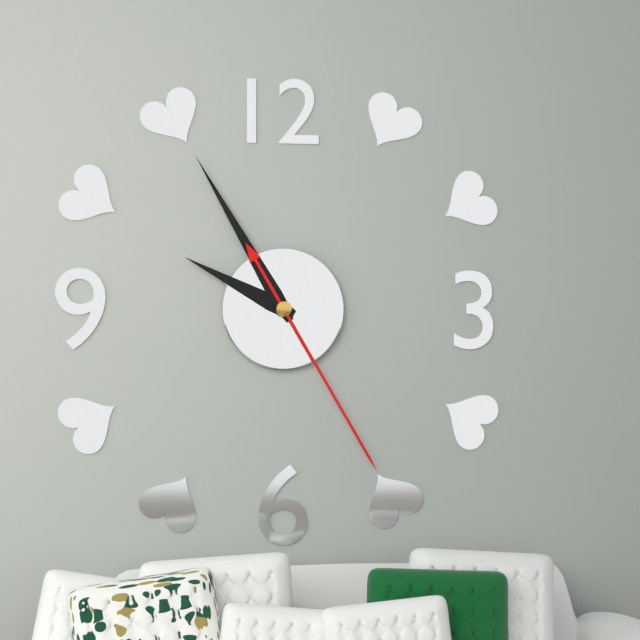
{"hour": 9, "minute": 55, "second": 25}
